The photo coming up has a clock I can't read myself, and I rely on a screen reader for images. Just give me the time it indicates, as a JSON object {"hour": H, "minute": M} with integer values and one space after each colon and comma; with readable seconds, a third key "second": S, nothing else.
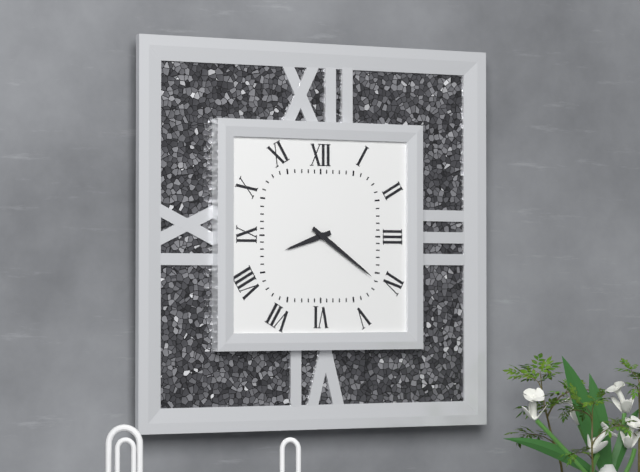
{"hour": 8, "minute": 21}
